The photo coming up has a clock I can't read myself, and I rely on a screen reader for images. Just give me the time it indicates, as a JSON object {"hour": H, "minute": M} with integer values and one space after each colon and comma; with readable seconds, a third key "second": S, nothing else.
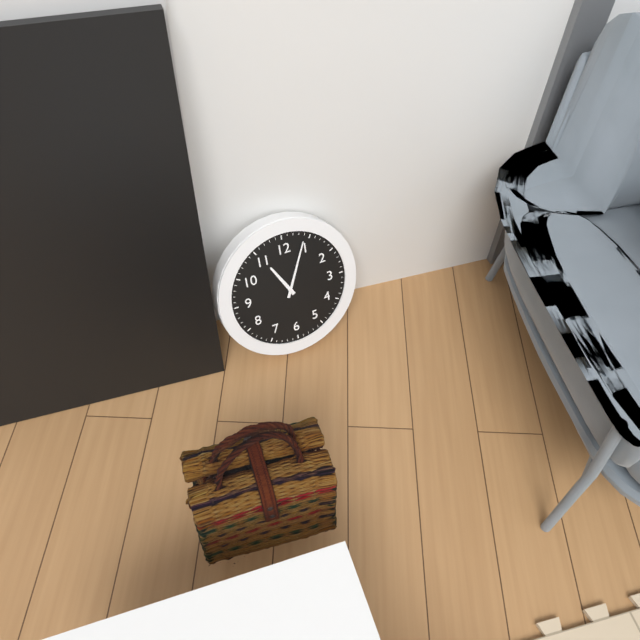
{"hour": 11, "minute": 4}
